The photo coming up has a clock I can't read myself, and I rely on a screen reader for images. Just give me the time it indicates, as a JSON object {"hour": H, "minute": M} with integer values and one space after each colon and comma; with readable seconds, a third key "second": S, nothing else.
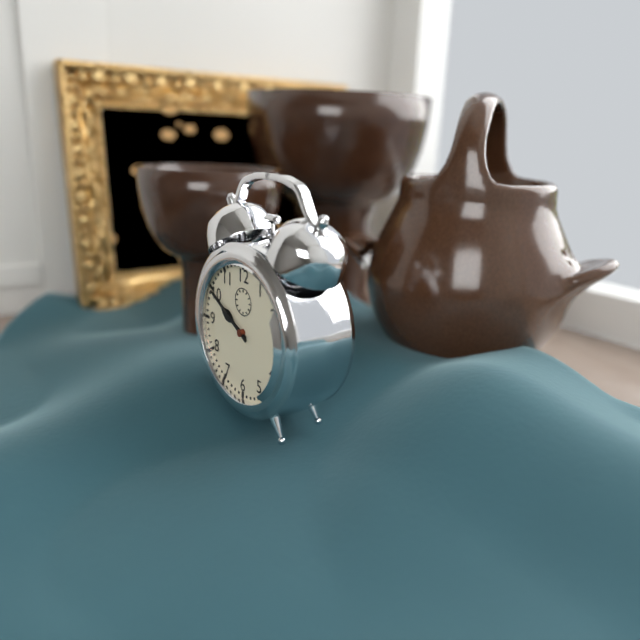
{"hour": 9, "minute": 50}
